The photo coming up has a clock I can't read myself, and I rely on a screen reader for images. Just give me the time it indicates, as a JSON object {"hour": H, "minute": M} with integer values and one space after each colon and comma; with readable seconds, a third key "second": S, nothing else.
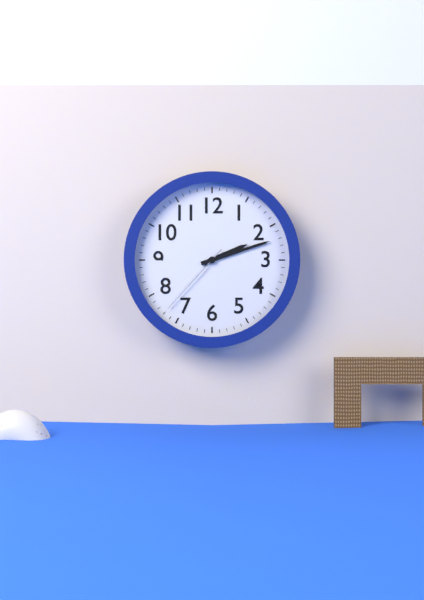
{"hour": 2, "minute": 12, "second": 37}
